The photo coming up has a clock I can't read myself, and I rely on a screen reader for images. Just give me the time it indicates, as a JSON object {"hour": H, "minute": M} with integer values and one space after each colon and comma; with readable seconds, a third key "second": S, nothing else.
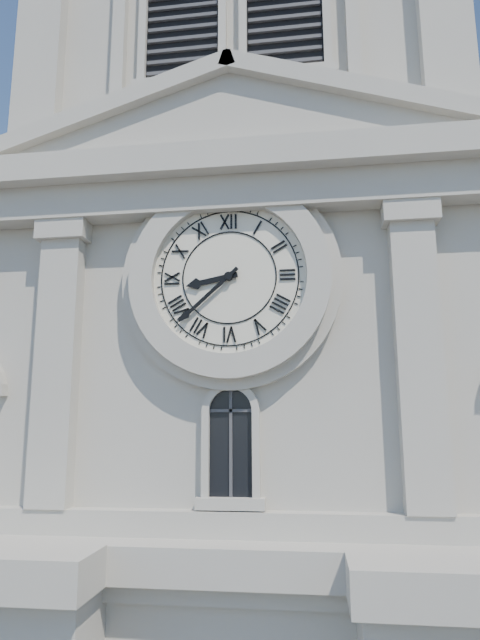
{"hour": 8, "minute": 38}
